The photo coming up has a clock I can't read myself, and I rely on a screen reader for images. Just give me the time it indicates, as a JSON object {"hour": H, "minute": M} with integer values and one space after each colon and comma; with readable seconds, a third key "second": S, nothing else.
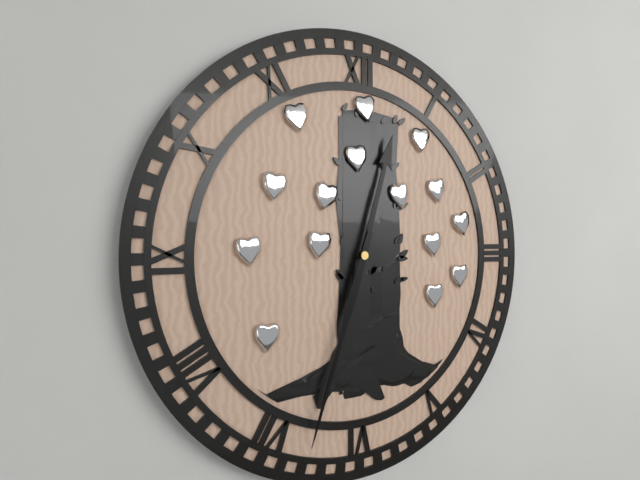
{"hour": 12, "minute": 33}
